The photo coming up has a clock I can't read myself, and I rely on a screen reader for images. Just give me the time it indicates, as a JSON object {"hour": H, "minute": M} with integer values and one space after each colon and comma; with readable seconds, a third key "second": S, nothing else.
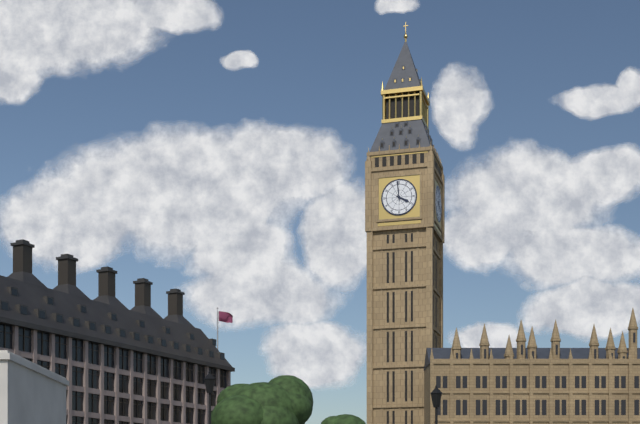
{"hour": 3, "minute": 59}
